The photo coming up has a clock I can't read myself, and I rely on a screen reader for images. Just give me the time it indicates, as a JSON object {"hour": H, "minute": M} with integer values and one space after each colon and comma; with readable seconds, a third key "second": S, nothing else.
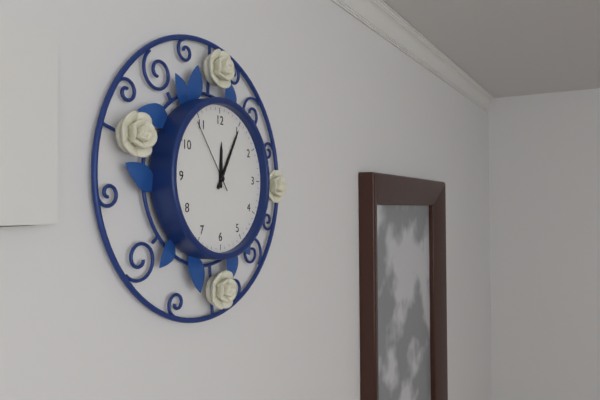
{"hour": 12, "minute": 5, "second": 54}
